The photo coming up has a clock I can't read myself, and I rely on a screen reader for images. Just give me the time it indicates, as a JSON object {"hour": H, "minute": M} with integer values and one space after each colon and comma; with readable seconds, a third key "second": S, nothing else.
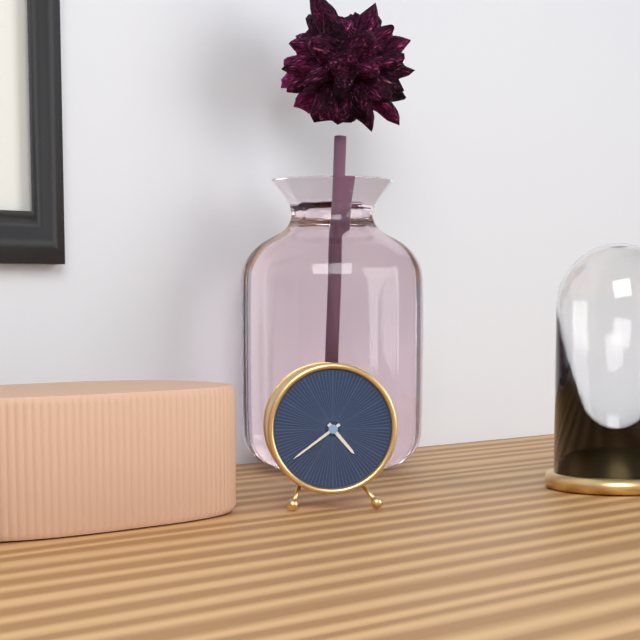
{"hour": 4, "minute": 39}
